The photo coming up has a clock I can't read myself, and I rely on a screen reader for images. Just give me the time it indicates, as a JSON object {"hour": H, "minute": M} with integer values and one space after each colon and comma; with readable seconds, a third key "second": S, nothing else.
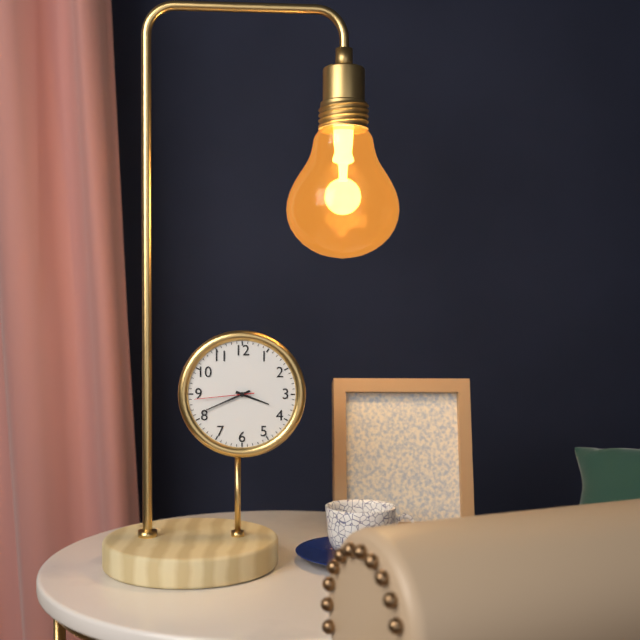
{"hour": 3, "minute": 41, "second": 44}
